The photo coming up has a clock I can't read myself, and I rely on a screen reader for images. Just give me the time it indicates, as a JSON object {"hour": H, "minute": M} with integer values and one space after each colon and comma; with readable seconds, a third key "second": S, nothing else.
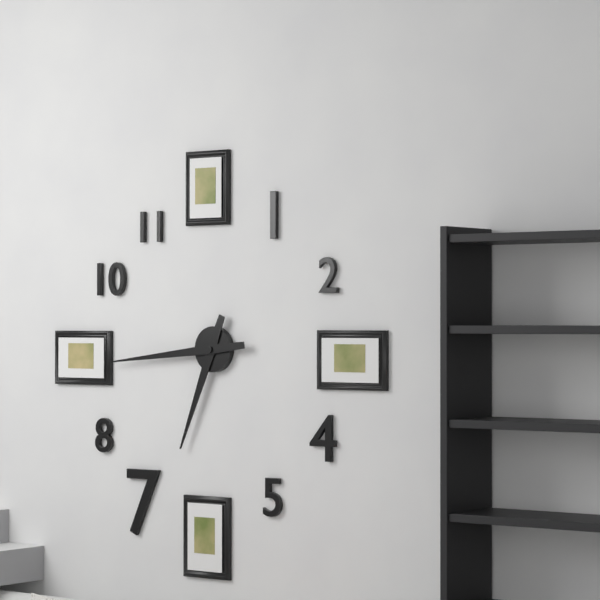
{"hour": 6, "minute": 44}
